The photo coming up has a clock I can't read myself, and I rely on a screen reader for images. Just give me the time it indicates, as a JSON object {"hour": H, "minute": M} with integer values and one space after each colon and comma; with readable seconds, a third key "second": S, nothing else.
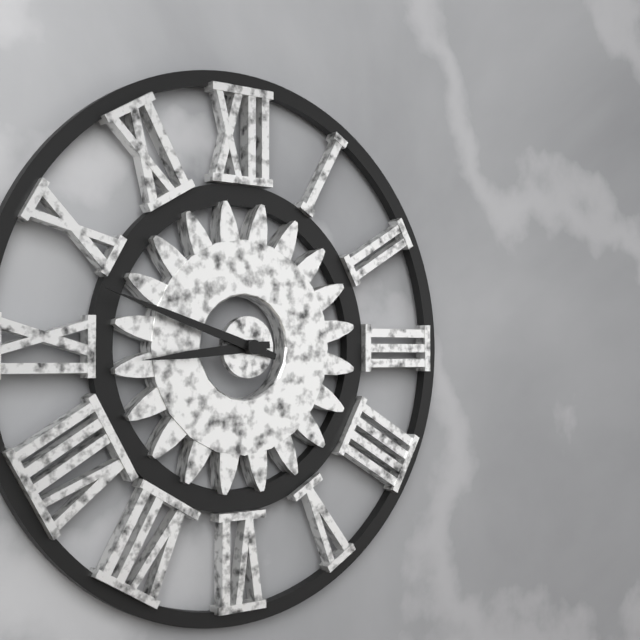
{"hour": 8, "minute": 48}
